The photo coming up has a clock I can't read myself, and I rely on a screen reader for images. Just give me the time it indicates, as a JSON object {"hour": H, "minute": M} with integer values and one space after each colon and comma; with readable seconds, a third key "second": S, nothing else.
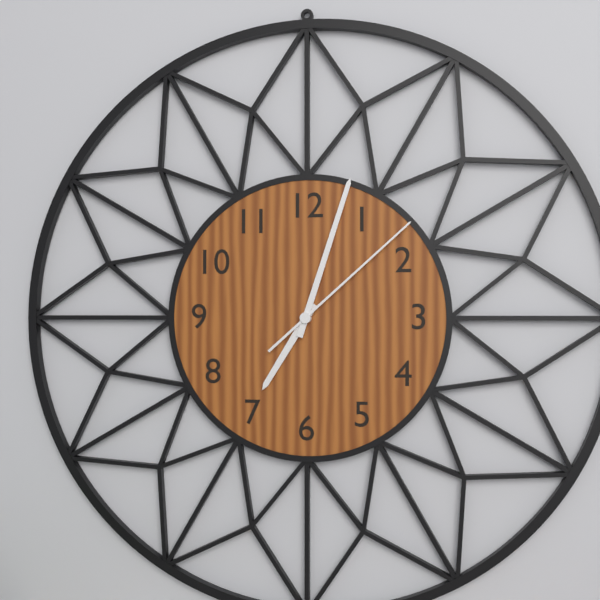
{"hour": 7, "minute": 3, "second": 8}
